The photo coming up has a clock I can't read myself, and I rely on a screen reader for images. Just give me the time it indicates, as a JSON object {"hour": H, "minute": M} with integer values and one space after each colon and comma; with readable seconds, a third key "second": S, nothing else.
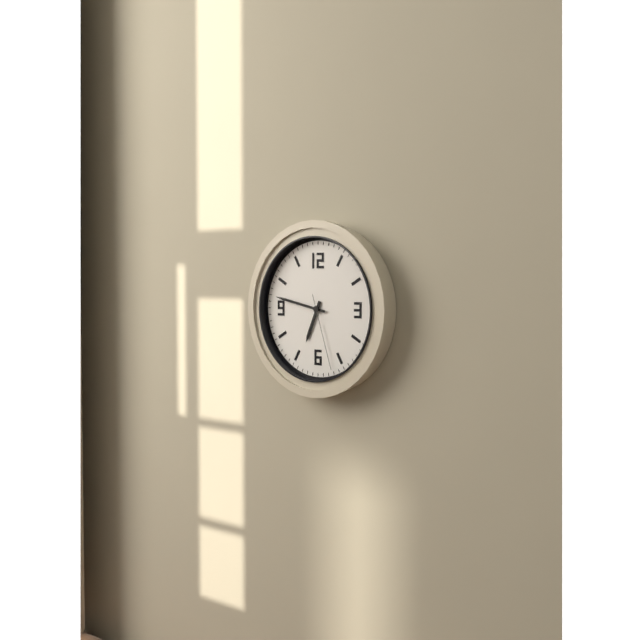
{"hour": 6, "minute": 47, "second": 27}
